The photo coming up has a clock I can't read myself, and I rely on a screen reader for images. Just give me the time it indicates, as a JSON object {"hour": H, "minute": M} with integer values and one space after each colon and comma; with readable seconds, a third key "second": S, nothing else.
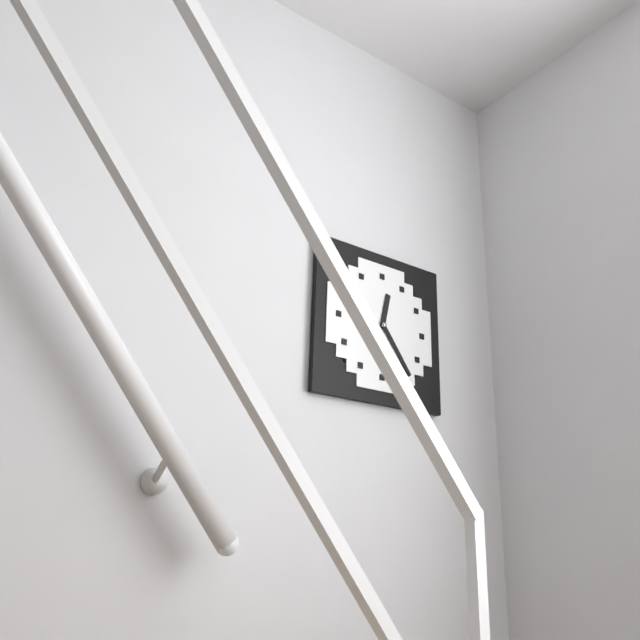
{"hour": 12, "minute": 24}
